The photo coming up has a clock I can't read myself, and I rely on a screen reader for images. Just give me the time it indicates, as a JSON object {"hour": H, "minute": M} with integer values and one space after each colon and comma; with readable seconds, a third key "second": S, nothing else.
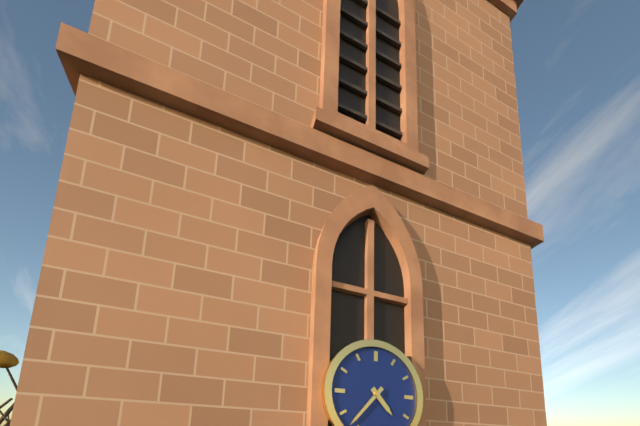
{"hour": 4, "minute": 37}
